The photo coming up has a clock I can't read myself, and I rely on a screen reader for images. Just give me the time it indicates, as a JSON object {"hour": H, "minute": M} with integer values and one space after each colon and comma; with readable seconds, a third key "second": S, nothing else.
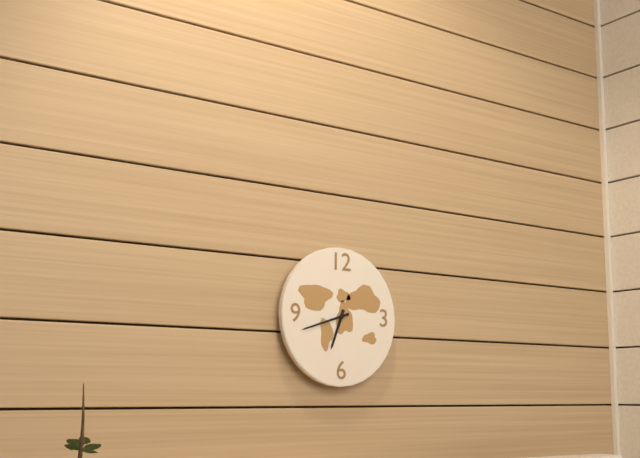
{"hour": 6, "minute": 42}
